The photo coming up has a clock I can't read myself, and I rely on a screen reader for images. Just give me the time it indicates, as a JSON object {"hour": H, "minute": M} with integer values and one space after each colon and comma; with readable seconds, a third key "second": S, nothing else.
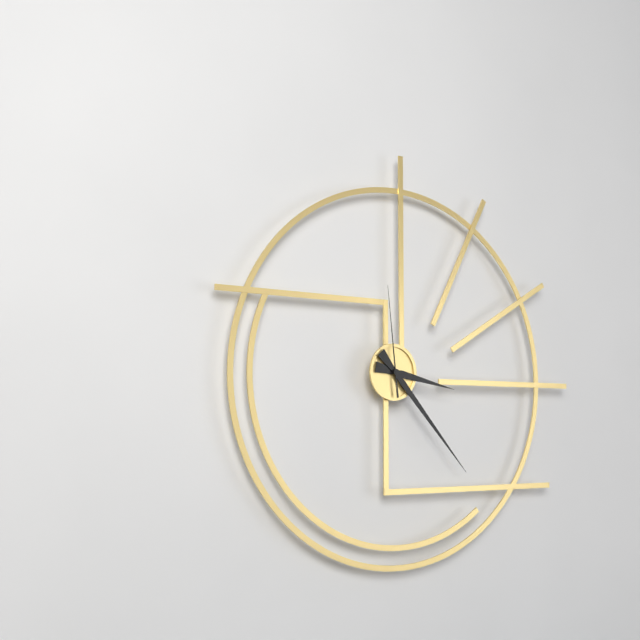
{"hour": 3, "minute": 23, "second": 59}
